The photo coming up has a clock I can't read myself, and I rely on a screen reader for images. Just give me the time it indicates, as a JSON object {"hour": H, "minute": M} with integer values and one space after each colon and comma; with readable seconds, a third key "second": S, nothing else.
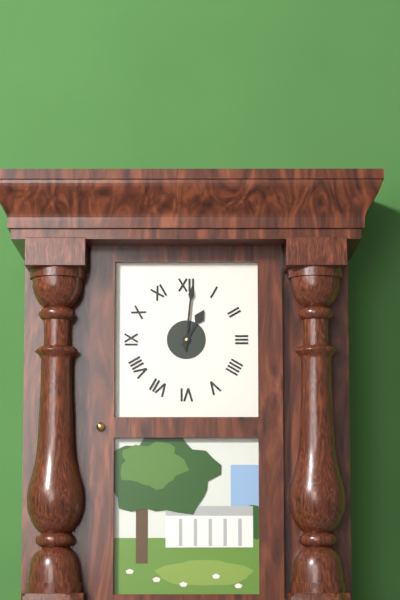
{"hour": 1, "minute": 1}
